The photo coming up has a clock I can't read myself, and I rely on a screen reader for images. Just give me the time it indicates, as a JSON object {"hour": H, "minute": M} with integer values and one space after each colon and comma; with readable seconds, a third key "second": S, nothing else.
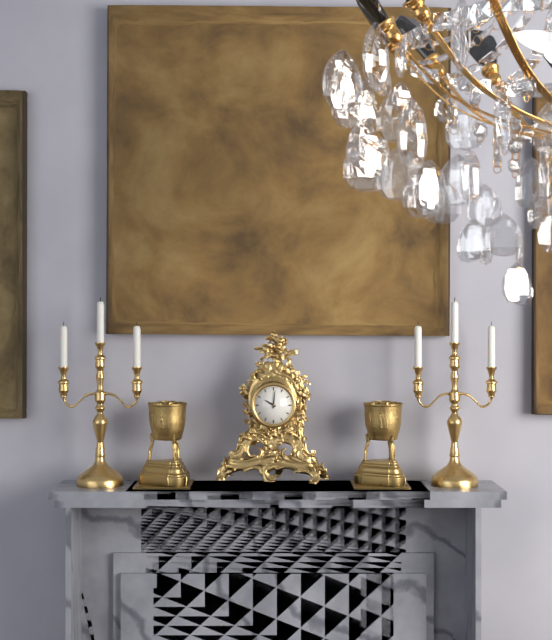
{"hour": 10, "minute": 1}
